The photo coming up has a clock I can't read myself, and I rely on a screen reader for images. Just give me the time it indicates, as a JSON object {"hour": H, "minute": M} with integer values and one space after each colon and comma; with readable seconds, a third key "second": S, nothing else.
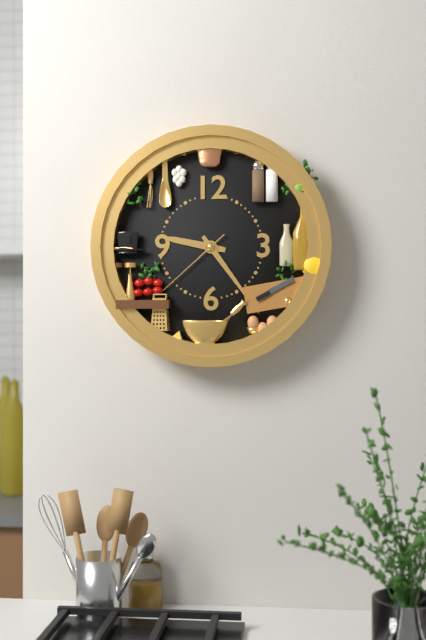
{"hour": 9, "minute": 24, "second": 38}
